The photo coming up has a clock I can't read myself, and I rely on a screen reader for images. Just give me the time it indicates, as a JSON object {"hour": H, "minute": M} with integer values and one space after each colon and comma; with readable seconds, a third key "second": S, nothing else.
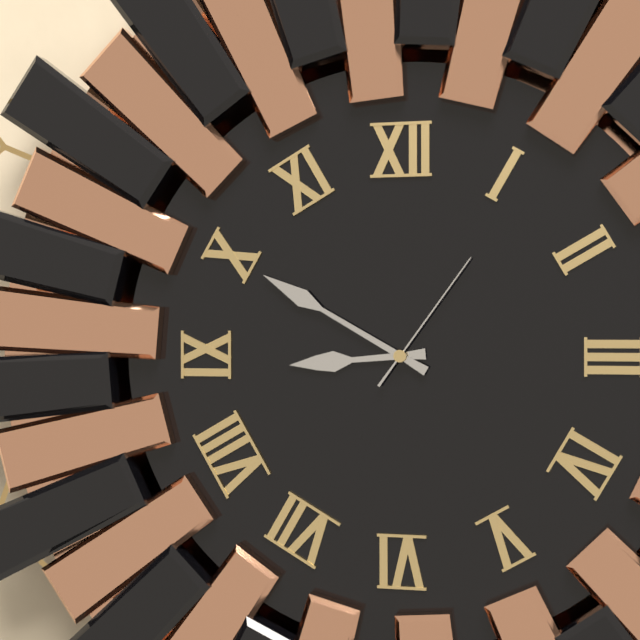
{"hour": 8, "minute": 50, "second": 6}
